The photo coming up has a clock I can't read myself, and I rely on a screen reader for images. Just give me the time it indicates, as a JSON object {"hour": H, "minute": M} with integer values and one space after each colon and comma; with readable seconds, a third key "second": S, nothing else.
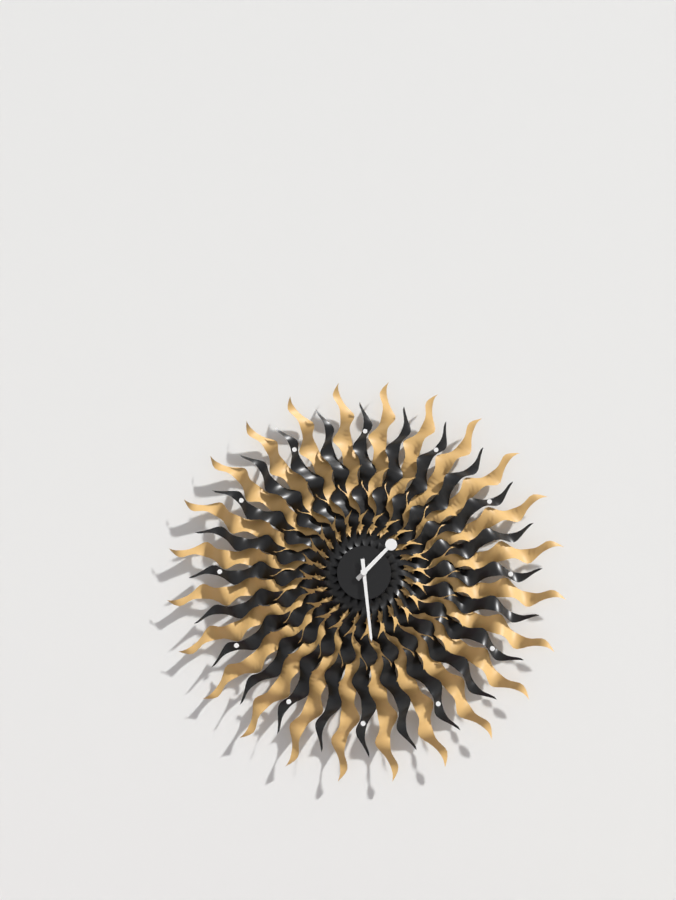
{"hour": 1, "minute": 29}
